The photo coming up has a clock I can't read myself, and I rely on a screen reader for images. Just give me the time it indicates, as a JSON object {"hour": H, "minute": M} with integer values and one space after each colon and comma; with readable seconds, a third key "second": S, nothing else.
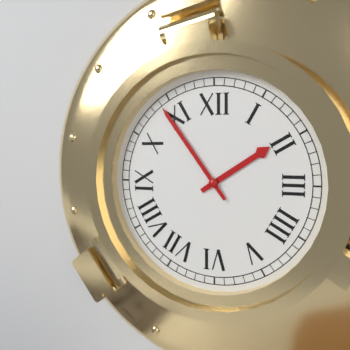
{"hour": 1, "minute": 54}
